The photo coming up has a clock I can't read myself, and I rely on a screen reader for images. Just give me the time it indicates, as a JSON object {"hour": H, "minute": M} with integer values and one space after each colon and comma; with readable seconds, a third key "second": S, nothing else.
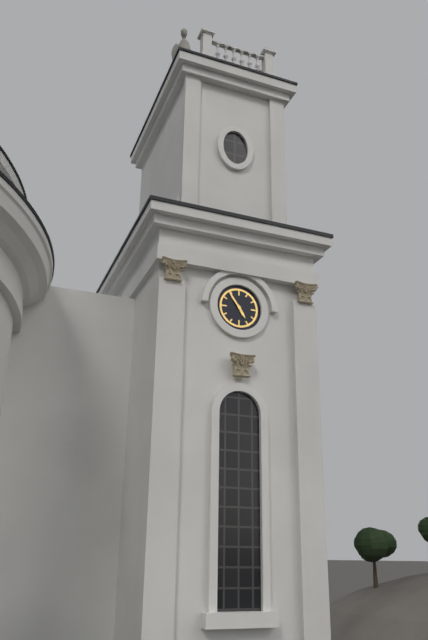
{"hour": 4, "minute": 54}
